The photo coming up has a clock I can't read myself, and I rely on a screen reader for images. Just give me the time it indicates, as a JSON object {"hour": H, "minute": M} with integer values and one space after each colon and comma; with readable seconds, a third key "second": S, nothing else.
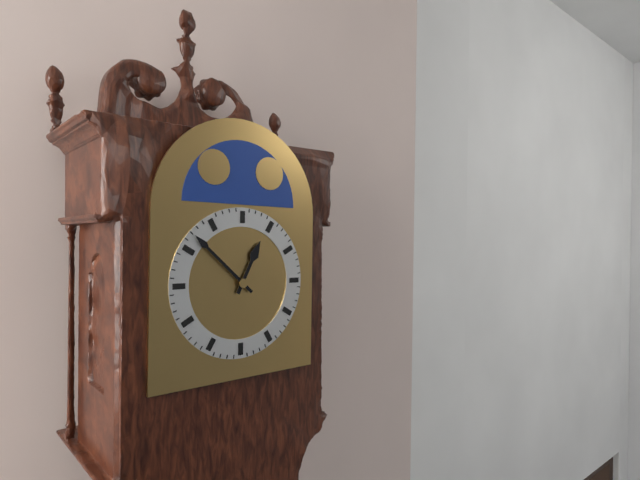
{"hour": 12, "minute": 52}
